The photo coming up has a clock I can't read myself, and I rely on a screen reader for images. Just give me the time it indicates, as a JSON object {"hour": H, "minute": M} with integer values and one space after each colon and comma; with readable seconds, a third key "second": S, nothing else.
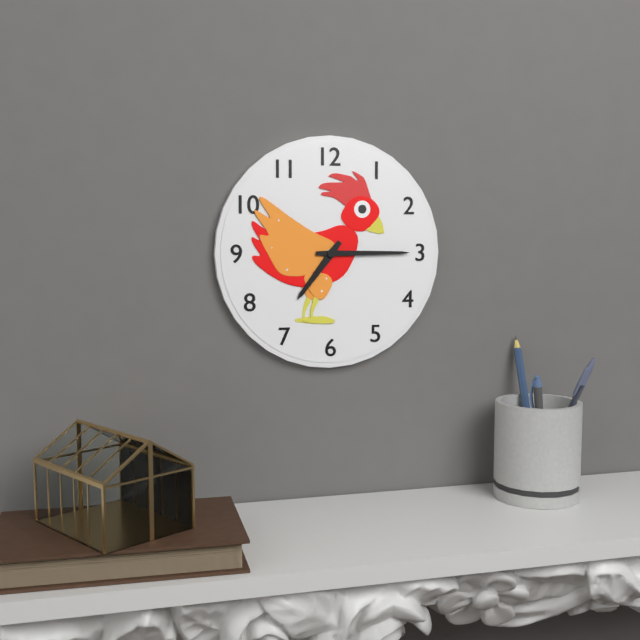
{"hour": 7, "minute": 15}
